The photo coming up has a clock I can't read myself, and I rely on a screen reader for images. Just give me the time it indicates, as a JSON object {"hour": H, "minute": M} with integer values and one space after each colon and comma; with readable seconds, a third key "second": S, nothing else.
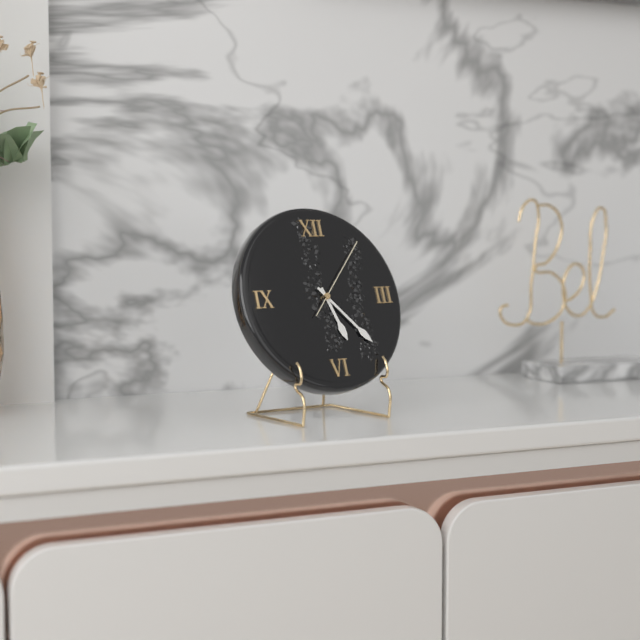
{"hour": 5, "minute": 23, "second": 7}
